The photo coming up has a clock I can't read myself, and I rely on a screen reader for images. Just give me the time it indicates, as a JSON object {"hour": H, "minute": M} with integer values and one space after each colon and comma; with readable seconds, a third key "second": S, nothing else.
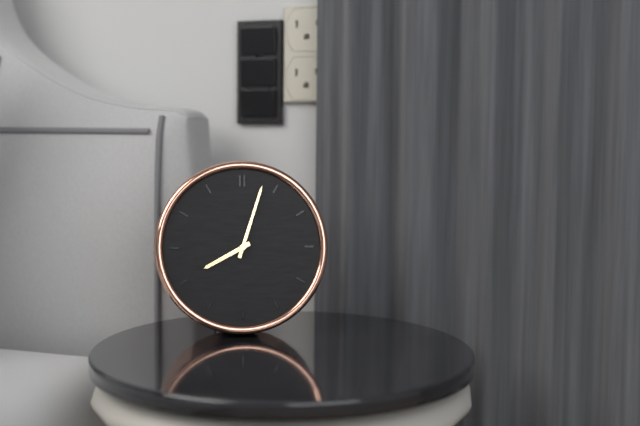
{"hour": 8, "minute": 3}
